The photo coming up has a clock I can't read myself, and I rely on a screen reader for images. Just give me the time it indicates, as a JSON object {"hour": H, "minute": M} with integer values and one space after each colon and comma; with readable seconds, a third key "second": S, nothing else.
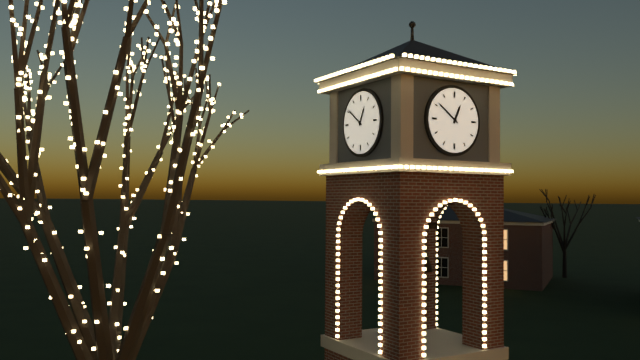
{"hour": 12, "minute": 51}
